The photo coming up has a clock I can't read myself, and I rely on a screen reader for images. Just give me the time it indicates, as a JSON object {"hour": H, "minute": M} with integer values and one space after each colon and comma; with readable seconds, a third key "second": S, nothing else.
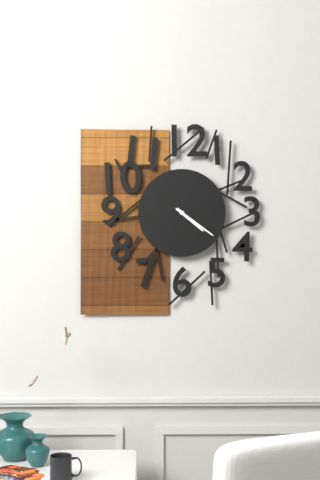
{"hour": 4, "minute": 21}
